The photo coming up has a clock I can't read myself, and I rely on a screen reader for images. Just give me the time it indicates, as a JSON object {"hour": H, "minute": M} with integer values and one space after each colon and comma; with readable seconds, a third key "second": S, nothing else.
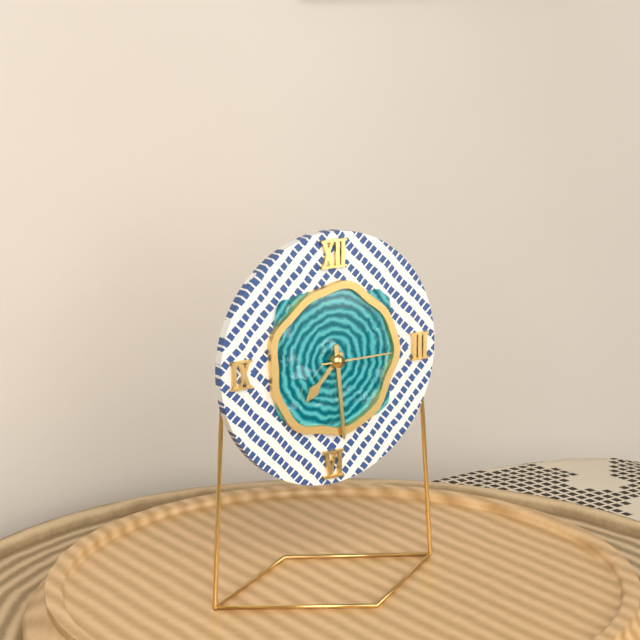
{"hour": 7, "minute": 29, "second": 15}
